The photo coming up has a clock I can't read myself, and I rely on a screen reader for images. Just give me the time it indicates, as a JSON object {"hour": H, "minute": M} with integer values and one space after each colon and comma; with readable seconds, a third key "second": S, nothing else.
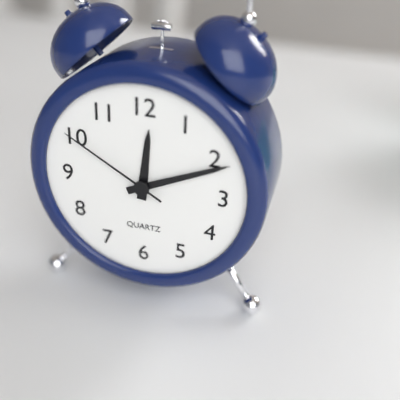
{"hour": 12, "minute": 11, "second": 50}
